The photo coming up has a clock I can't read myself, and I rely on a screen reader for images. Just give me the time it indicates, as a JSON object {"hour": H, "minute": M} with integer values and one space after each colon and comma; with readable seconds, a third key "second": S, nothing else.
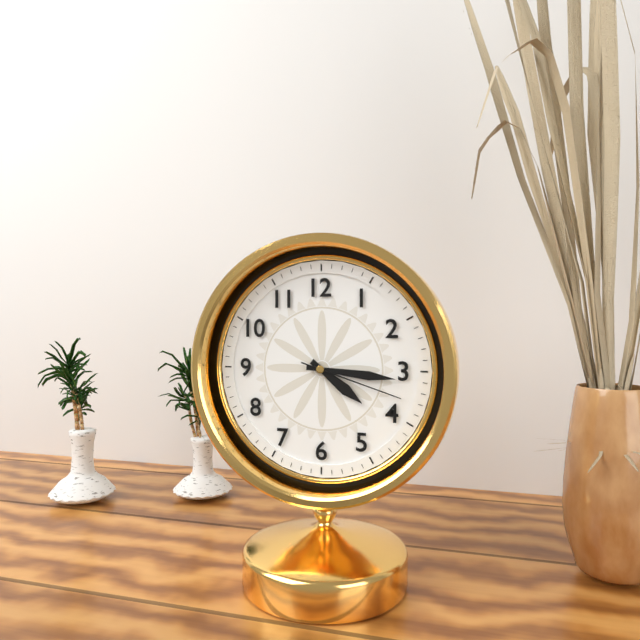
{"hour": 4, "minute": 16, "second": 18}
